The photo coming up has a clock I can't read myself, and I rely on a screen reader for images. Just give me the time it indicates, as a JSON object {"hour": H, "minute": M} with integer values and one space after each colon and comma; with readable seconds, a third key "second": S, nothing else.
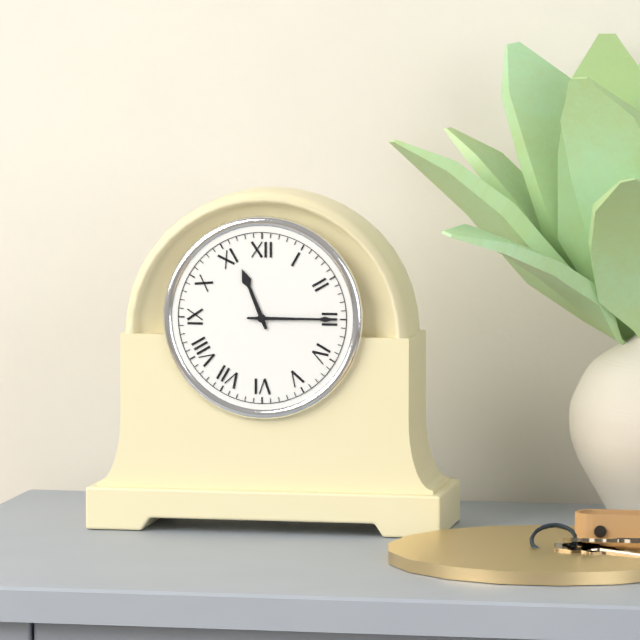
{"hour": 11, "minute": 15}
